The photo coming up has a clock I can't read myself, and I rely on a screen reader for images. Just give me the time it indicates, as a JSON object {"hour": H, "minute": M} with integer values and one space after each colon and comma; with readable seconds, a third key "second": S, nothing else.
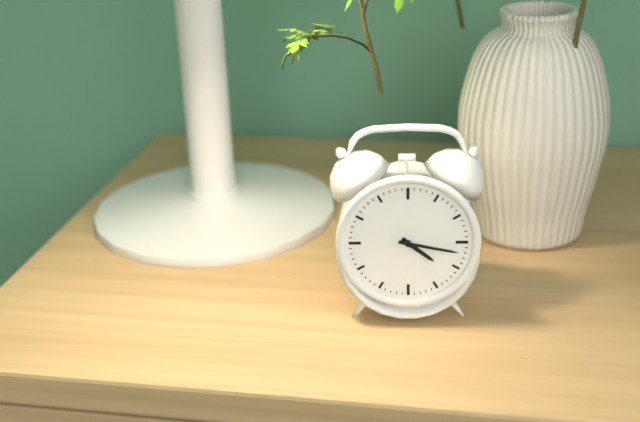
{"hour": 4, "minute": 17}
